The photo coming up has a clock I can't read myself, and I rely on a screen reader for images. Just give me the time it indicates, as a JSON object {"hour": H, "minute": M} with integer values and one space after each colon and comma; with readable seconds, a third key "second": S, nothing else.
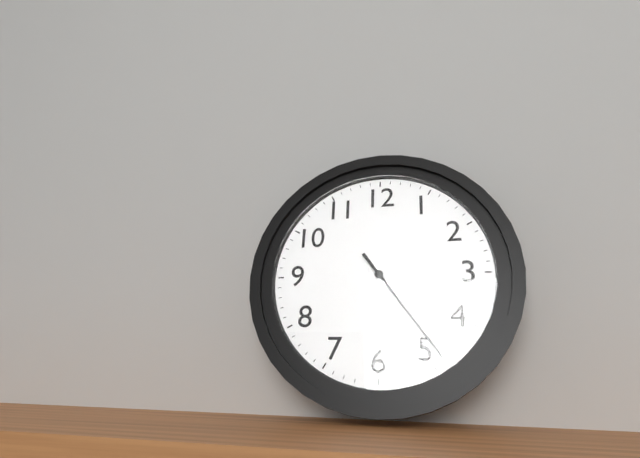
{"hour": 5, "minute": 24}
